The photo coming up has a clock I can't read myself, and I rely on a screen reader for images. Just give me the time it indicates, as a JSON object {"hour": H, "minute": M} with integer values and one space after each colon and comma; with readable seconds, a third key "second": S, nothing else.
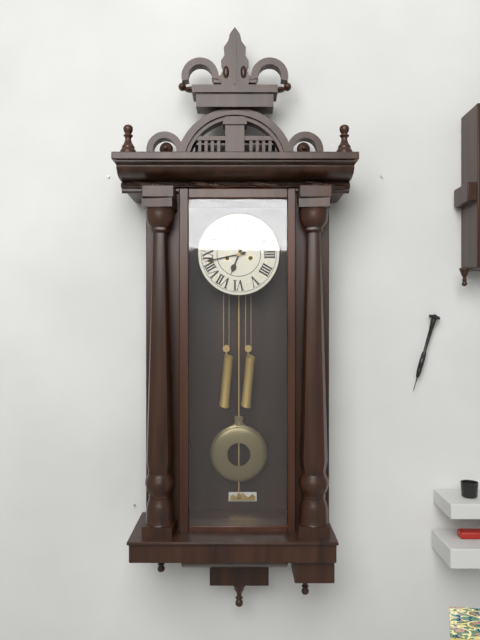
{"hour": 6, "minute": 43}
